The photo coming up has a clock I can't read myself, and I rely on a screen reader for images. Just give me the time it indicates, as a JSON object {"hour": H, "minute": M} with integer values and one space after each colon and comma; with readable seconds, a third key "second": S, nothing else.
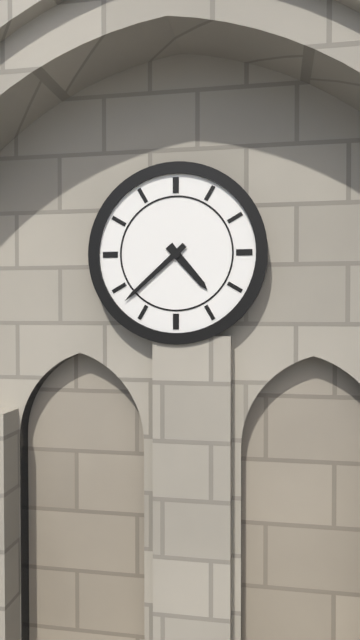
{"hour": 4, "minute": 38}
